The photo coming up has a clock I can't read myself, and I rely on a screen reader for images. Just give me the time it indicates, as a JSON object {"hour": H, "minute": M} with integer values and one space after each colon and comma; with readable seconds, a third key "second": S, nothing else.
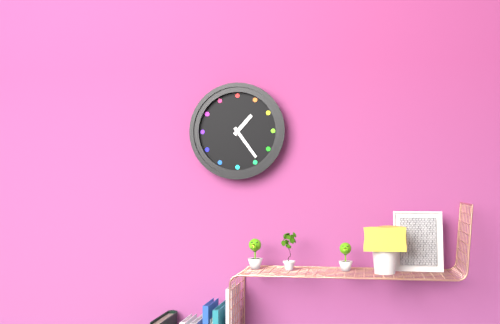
{"hour": 1, "minute": 24}
